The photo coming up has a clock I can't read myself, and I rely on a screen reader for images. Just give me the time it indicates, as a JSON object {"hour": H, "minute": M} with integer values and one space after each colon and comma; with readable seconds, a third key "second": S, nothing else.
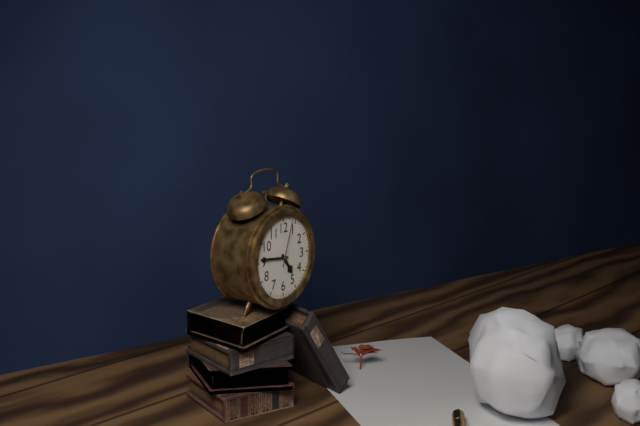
{"hour": 4, "minute": 46}
